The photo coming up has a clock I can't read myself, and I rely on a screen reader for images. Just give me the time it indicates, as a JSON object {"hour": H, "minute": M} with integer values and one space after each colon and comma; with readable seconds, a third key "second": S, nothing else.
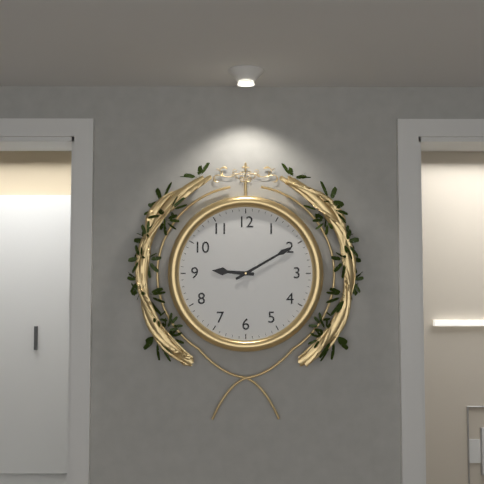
{"hour": 9, "minute": 10}
